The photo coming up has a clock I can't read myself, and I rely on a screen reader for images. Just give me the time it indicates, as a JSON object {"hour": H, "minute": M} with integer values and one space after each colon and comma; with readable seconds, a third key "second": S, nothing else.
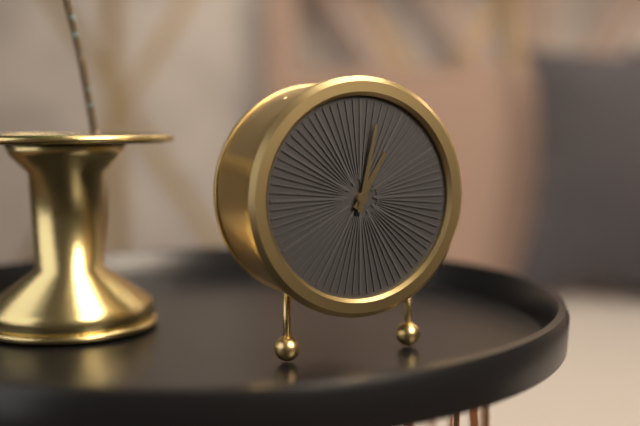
{"hour": 1, "minute": 2}
